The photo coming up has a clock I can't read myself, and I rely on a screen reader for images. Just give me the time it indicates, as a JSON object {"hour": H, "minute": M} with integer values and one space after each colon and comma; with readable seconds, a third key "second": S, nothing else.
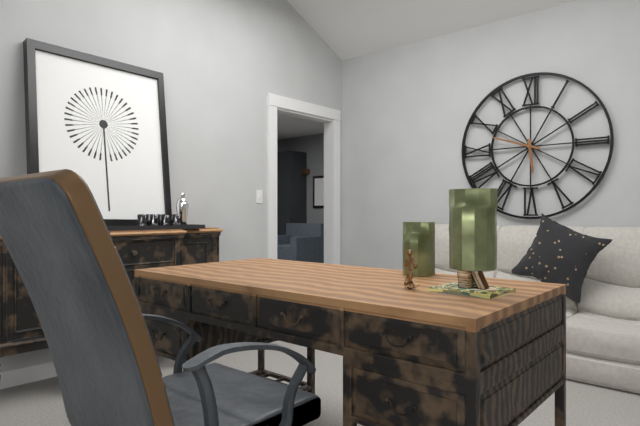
{"hour": 5, "minute": 48}
